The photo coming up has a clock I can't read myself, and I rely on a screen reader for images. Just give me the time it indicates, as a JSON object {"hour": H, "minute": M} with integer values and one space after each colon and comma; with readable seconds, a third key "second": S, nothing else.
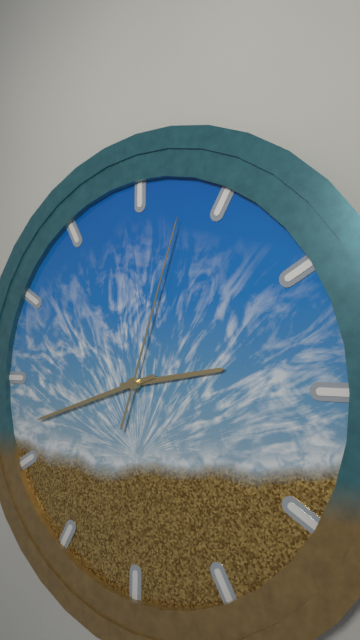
{"hour": 2, "minute": 42, "second": 3}
